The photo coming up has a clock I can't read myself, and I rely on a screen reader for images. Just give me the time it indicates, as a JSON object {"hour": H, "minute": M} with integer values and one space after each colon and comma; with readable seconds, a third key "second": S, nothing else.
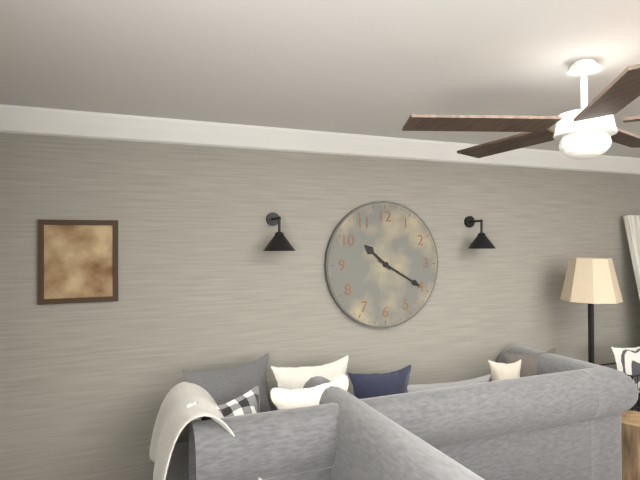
{"hour": 10, "minute": 20}
